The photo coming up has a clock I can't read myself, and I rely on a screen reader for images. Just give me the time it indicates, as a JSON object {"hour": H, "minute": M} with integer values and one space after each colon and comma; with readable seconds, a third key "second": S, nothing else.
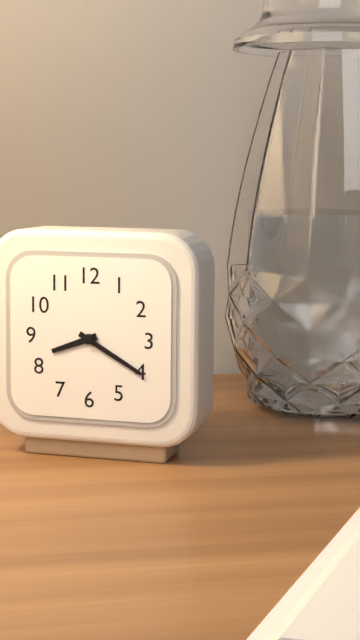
{"hour": 8, "minute": 20}
